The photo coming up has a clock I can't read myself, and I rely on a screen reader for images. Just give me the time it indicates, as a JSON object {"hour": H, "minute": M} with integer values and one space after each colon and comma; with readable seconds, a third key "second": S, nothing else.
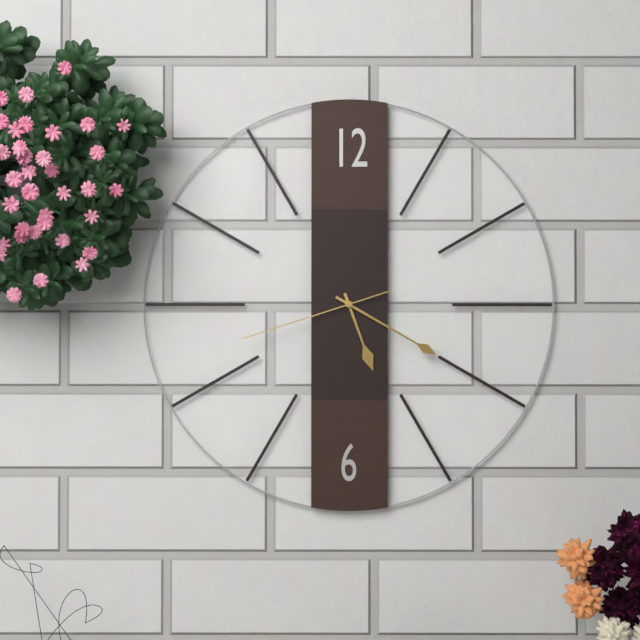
{"hour": 5, "minute": 20, "second": 42}
